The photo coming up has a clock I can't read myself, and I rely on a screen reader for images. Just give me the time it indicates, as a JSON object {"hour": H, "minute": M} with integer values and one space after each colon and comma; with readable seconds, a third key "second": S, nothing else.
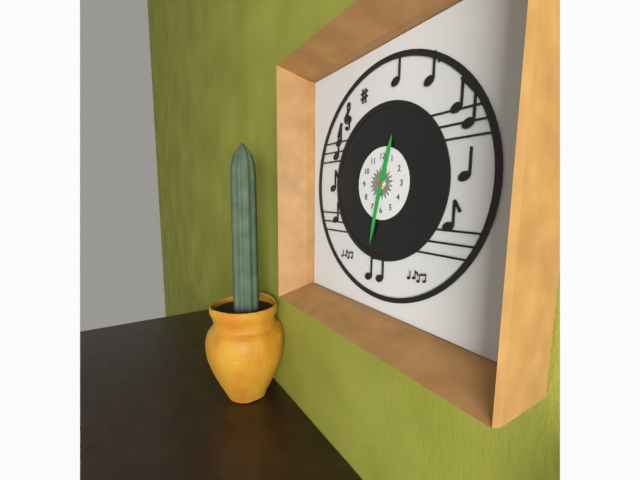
{"hour": 12, "minute": 32}
